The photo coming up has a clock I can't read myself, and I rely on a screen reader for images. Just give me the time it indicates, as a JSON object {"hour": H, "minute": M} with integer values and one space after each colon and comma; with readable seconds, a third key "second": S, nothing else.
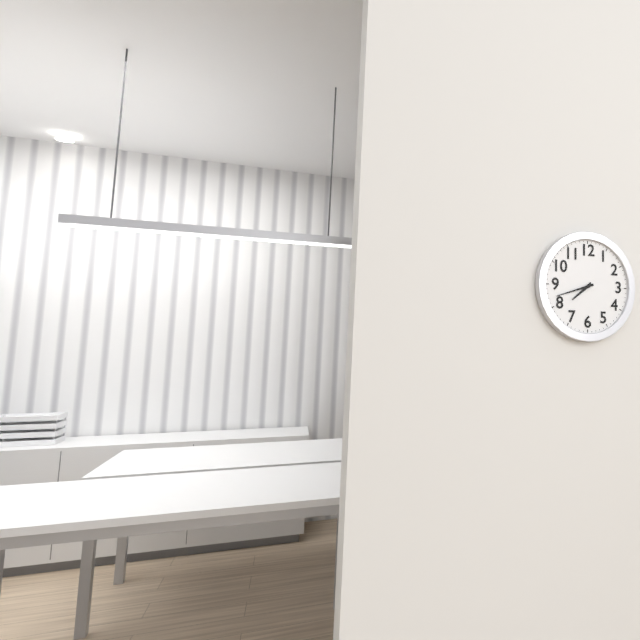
{"hour": 7, "minute": 42}
